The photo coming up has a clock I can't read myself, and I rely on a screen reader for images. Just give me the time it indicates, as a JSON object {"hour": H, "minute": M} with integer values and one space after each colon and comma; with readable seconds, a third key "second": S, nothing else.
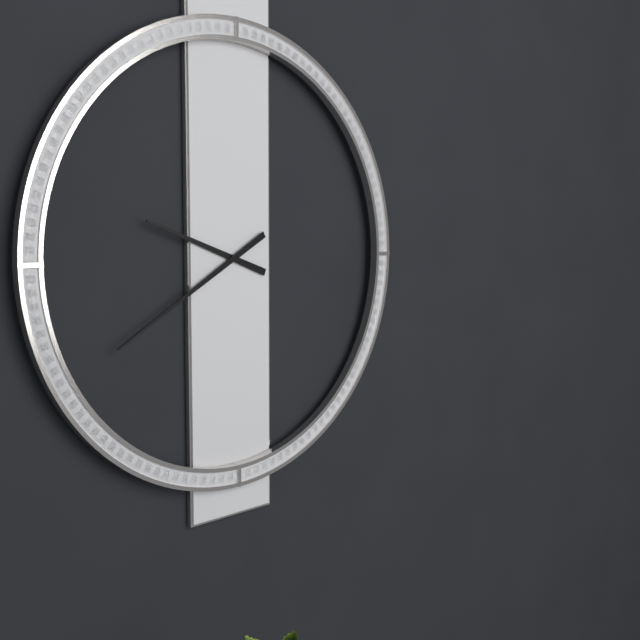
{"hour": 9, "minute": 40}
